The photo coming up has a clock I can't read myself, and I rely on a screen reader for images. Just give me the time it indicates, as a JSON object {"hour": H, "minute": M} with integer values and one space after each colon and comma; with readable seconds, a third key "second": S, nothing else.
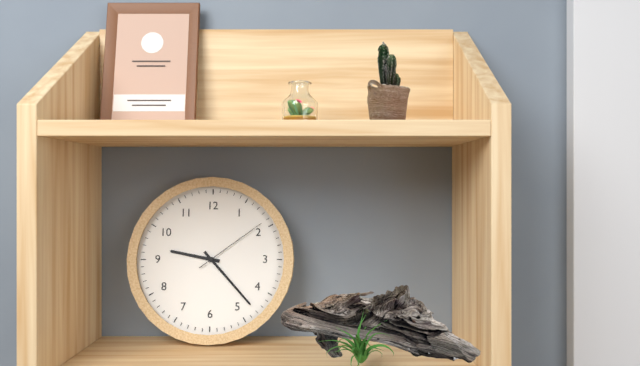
{"hour": 9, "minute": 23, "second": 9}
